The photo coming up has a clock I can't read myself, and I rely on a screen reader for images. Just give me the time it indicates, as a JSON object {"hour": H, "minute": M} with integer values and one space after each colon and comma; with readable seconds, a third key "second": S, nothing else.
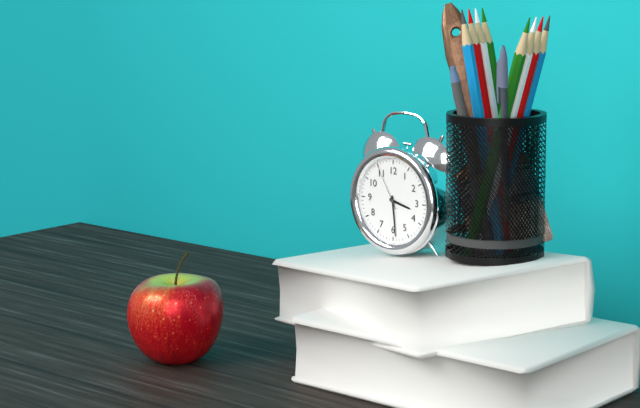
{"hour": 3, "minute": 29}
